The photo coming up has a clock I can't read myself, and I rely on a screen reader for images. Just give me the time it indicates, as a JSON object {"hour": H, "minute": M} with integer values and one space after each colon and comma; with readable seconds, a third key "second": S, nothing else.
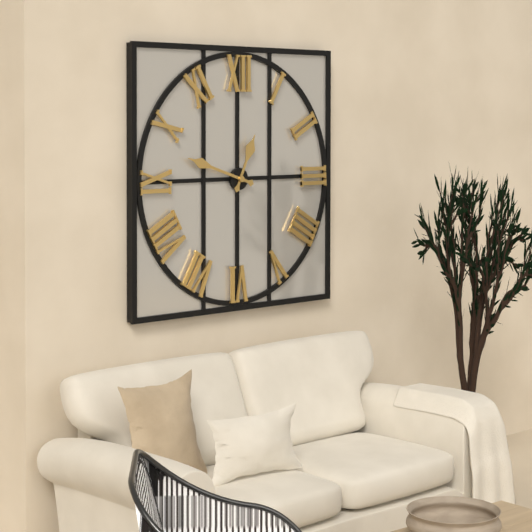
{"hour": 12, "minute": 48}
